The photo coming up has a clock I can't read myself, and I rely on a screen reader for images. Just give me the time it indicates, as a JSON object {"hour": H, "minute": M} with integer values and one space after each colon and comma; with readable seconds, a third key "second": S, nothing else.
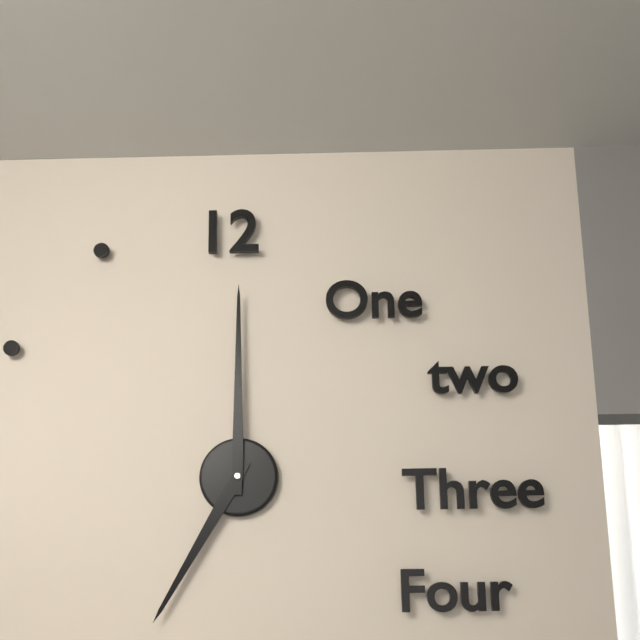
{"hour": 7, "minute": 0}
